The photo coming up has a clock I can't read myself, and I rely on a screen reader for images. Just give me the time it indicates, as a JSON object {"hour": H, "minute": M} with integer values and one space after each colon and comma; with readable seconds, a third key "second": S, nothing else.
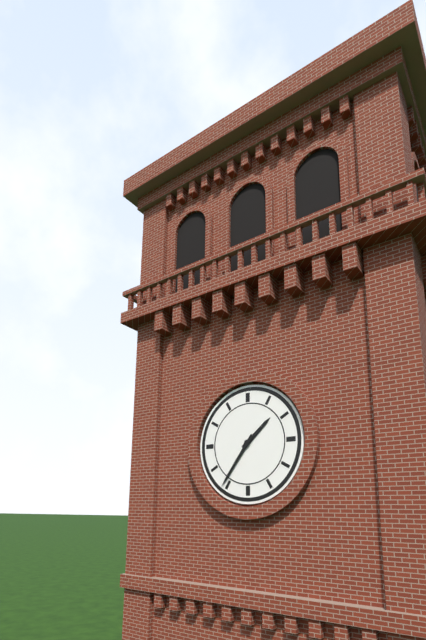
{"hour": 1, "minute": 36}
